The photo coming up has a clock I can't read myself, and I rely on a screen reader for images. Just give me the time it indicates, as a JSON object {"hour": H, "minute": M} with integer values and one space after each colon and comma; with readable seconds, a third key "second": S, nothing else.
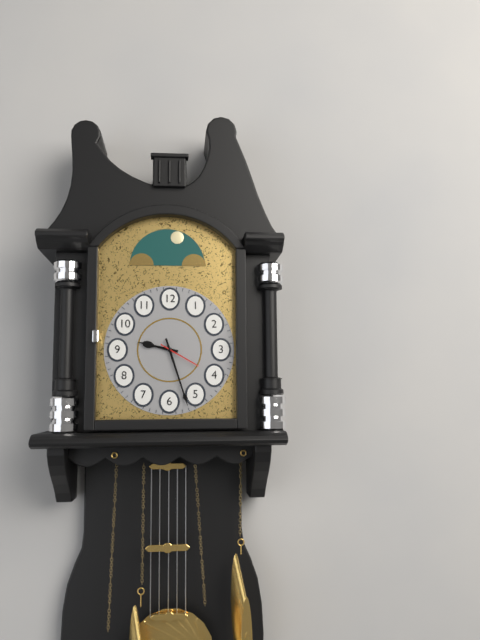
{"hour": 9, "minute": 27}
